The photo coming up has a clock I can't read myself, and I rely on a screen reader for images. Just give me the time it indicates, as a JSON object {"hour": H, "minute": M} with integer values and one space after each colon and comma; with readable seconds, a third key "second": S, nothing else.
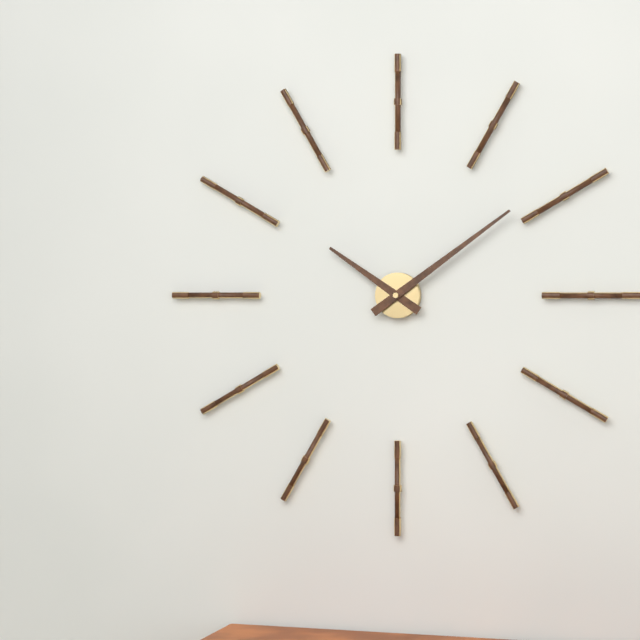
{"hour": 10, "minute": 9}
